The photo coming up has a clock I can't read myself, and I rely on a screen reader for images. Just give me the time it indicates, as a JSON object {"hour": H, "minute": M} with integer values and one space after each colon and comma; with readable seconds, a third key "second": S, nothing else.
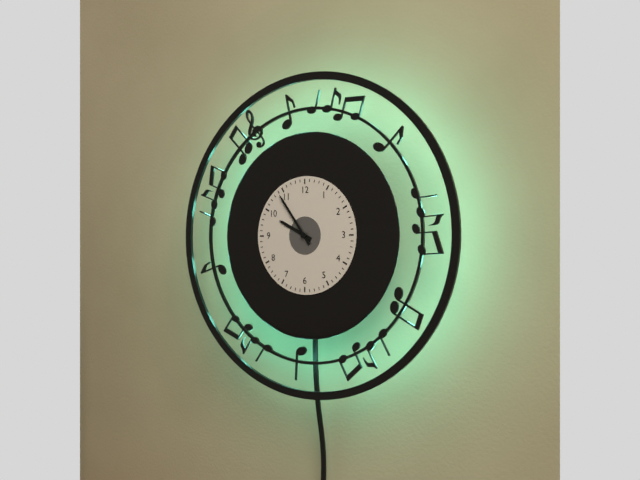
{"hour": 9, "minute": 54}
